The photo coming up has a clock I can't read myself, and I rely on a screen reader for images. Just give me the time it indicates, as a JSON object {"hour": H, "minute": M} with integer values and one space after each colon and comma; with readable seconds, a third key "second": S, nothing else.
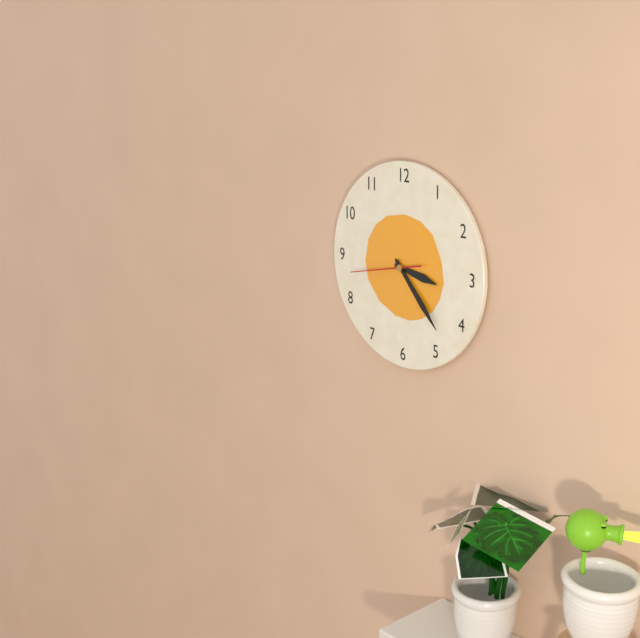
{"hour": 3, "minute": 23, "second": 43}
